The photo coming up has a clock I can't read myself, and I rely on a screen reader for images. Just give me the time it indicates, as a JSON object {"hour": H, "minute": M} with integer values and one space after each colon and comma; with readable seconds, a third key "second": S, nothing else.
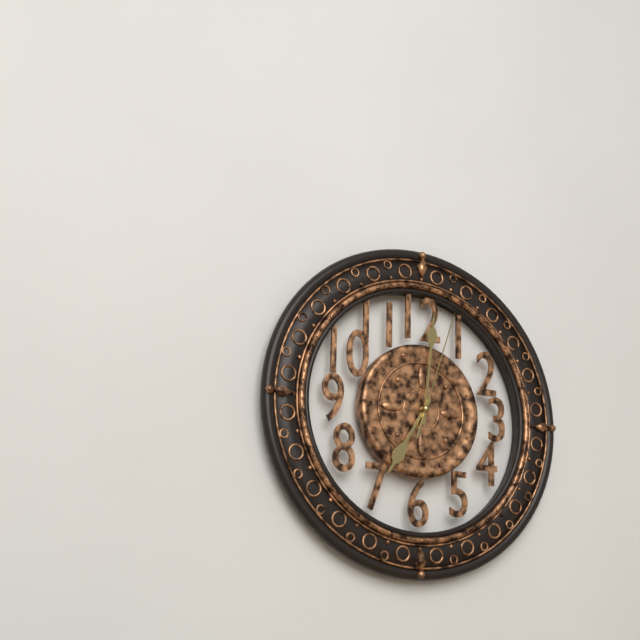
{"hour": 7, "minute": 1, "second": 3}
